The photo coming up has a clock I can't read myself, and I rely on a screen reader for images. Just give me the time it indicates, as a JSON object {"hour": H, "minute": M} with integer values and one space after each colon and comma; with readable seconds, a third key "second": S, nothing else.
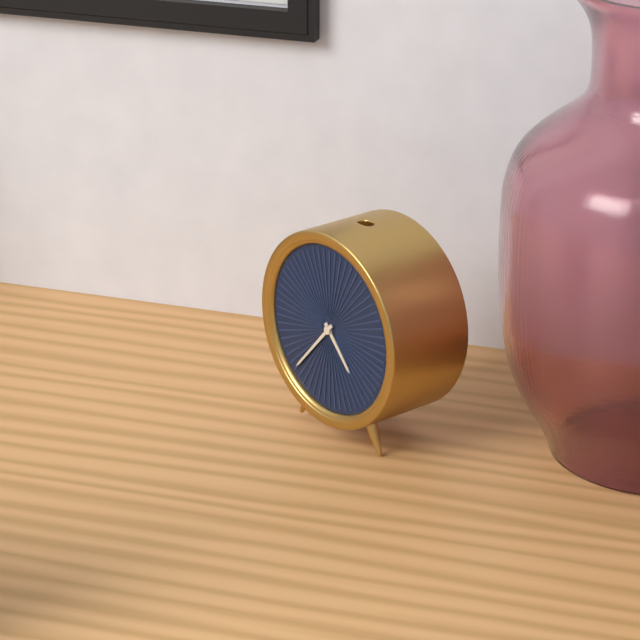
{"hour": 4, "minute": 37}
